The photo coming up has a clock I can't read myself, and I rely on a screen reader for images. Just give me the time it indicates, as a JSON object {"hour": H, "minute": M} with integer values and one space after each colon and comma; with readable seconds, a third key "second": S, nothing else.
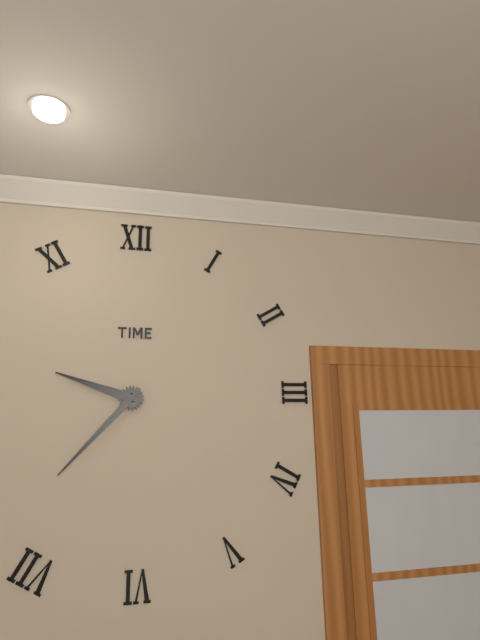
{"hour": 9, "minute": 37}
